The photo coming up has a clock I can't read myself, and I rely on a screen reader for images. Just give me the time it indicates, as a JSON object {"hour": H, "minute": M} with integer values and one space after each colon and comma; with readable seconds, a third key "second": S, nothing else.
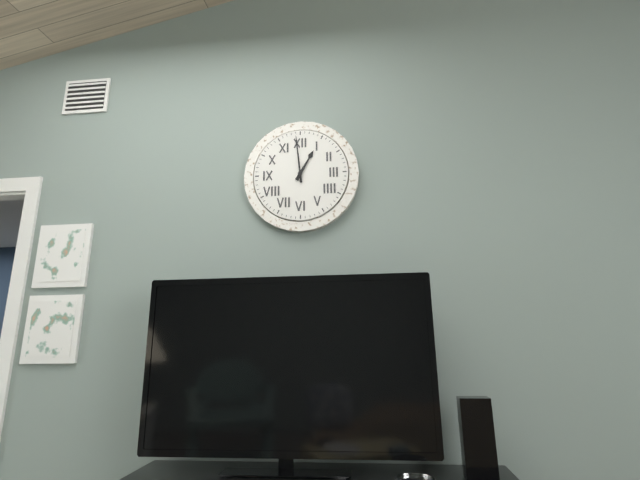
{"hour": 12, "minute": 59}
